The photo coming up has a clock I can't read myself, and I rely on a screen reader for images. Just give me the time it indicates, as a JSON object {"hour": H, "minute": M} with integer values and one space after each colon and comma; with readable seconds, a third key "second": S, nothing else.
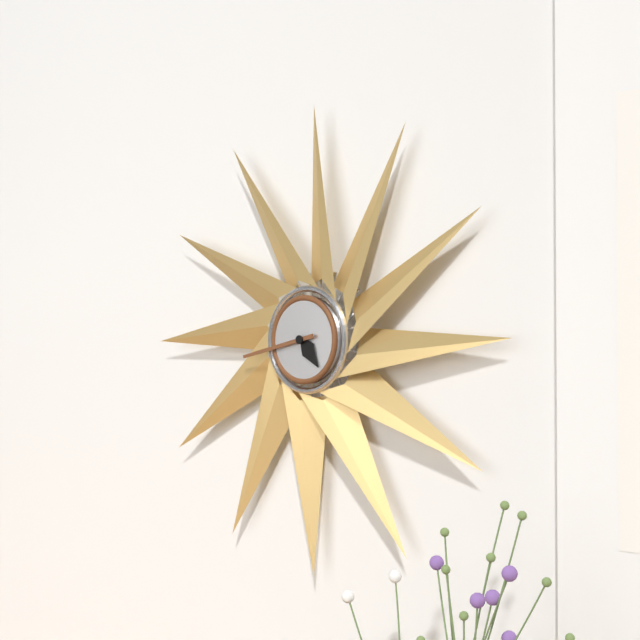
{"hour": 4, "minute": 43}
